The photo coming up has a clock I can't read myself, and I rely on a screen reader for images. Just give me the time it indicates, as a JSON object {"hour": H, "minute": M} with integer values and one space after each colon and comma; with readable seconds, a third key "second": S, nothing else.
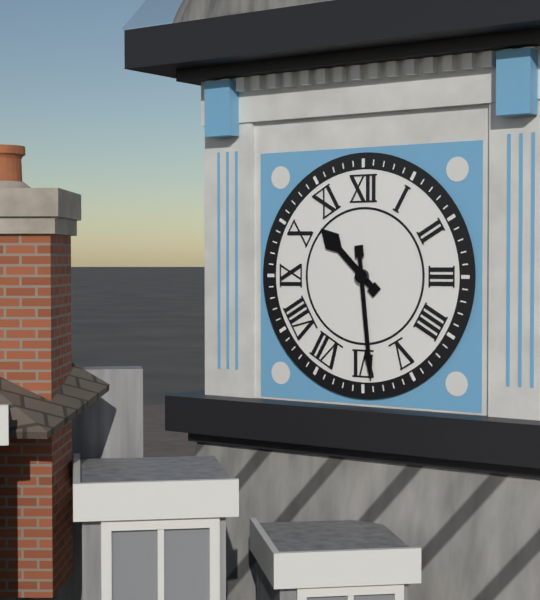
{"hour": 10, "minute": 29}
